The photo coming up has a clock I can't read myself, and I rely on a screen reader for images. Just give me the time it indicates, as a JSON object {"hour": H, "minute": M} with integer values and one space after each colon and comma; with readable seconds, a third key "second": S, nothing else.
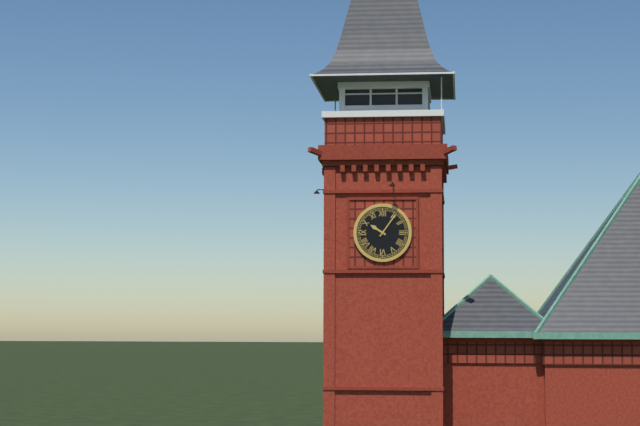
{"hour": 10, "minute": 6}
